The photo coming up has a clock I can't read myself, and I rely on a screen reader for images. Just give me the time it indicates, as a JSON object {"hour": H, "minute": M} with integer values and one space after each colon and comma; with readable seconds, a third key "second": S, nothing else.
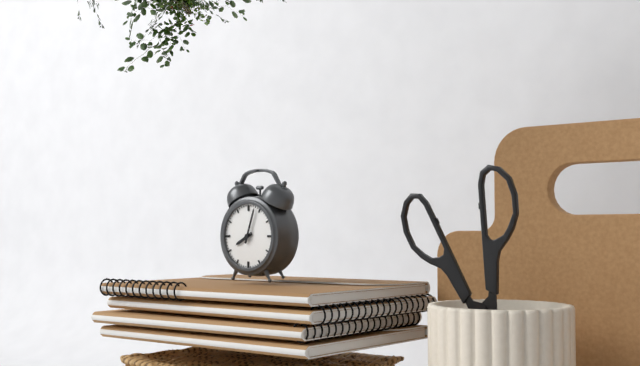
{"hour": 8, "minute": 3}
